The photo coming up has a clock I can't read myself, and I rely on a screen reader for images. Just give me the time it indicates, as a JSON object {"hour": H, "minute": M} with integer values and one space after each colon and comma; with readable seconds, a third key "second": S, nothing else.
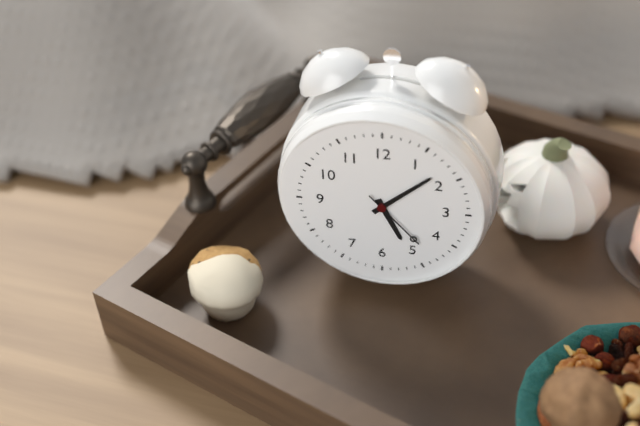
{"hour": 5, "minute": 8, "second": 23}
